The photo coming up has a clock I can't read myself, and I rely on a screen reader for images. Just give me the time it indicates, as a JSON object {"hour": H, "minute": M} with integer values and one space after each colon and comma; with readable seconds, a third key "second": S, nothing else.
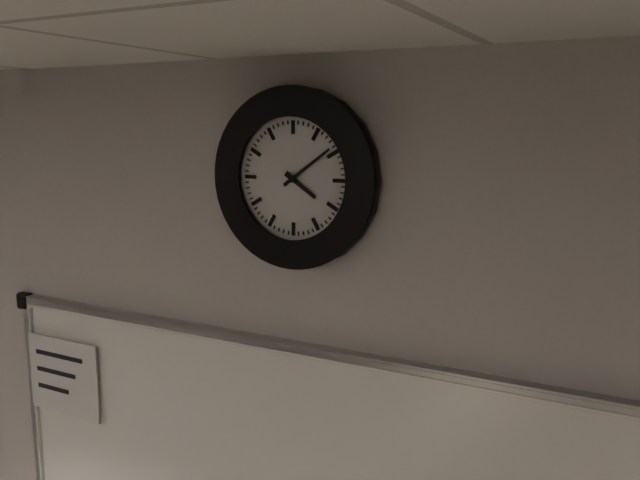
{"hour": 4, "minute": 9}
